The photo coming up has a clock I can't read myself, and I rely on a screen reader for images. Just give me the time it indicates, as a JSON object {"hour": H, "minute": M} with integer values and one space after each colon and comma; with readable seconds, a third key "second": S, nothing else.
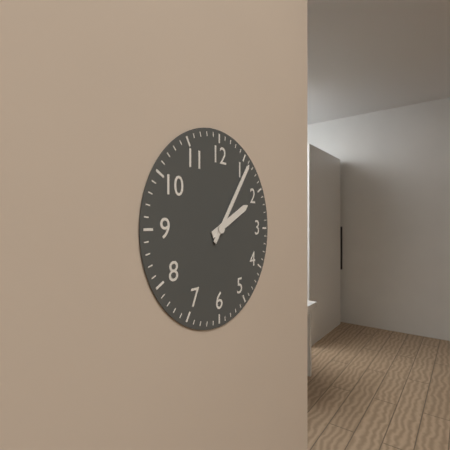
{"hour": 2, "minute": 6}
